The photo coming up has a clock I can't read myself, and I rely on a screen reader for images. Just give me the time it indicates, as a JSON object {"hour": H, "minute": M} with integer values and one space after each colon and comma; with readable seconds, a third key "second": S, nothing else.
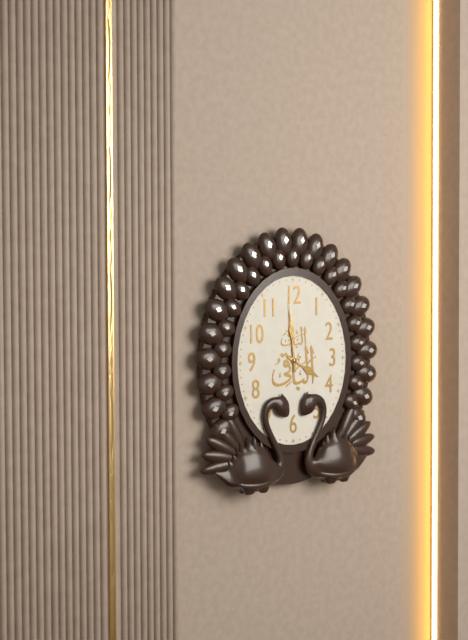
{"hour": 3, "minute": 59}
